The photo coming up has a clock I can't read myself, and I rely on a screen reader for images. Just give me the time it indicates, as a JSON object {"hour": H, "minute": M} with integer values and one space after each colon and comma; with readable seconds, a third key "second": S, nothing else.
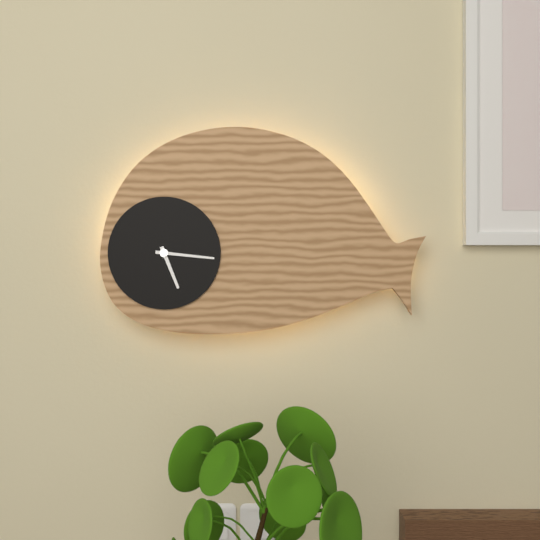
{"hour": 5, "minute": 16}
